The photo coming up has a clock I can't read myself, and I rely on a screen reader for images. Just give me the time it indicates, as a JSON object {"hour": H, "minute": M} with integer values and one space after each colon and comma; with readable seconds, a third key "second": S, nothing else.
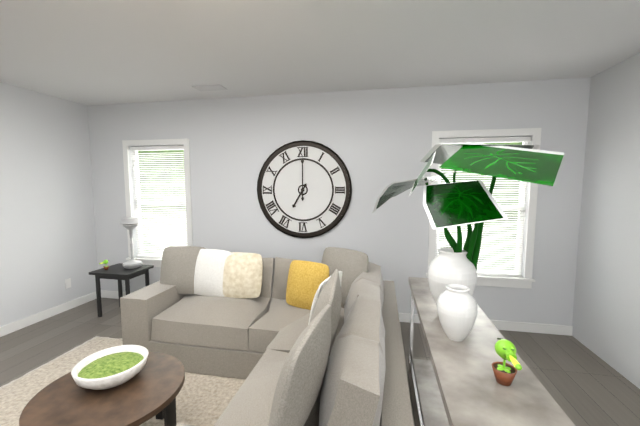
{"hour": 7, "minute": 0}
